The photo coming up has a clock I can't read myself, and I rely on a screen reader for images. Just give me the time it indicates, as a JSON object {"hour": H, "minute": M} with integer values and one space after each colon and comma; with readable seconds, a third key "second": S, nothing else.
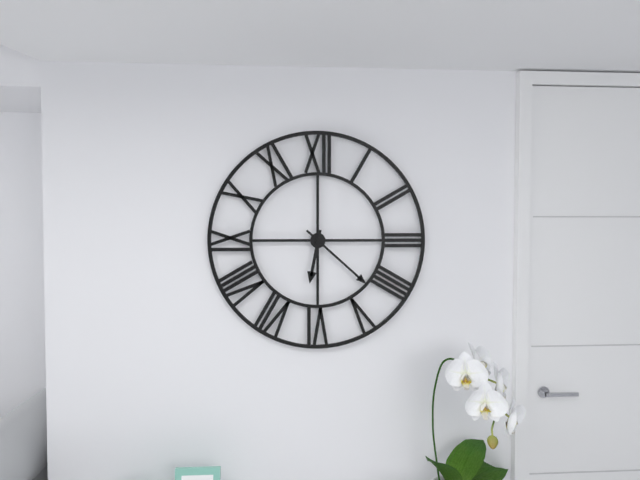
{"hour": 6, "minute": 22}
